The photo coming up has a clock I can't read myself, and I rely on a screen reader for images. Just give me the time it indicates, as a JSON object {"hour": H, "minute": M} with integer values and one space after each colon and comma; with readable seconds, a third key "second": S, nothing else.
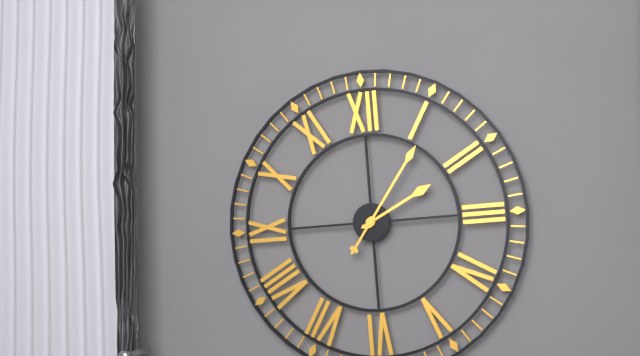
{"hour": 2, "minute": 6}
